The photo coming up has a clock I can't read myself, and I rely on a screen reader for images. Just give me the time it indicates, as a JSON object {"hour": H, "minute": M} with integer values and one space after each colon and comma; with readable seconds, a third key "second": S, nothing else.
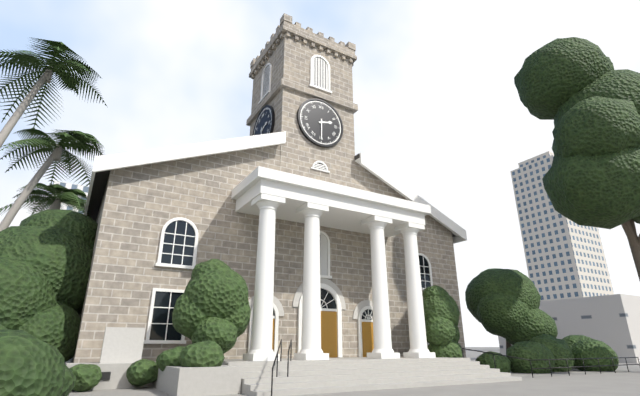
{"hour": 2, "minute": 30}
